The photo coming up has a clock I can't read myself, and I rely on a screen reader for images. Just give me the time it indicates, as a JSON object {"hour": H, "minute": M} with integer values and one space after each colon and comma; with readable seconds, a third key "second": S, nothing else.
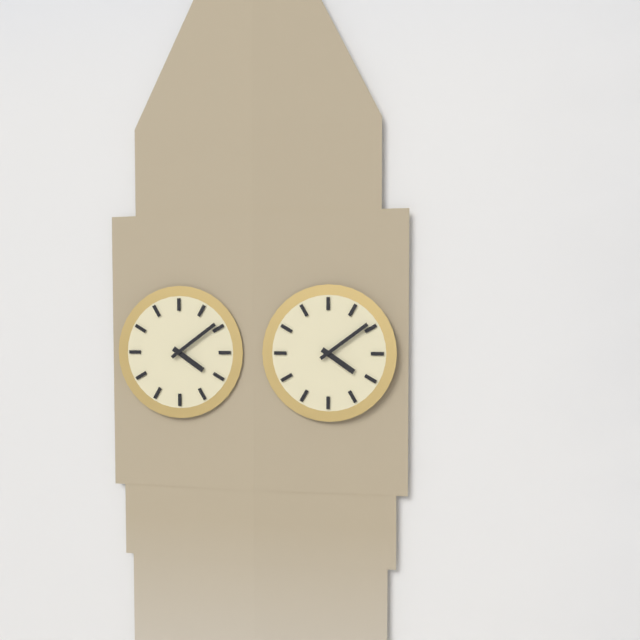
{"hour": 4, "minute": 9}
